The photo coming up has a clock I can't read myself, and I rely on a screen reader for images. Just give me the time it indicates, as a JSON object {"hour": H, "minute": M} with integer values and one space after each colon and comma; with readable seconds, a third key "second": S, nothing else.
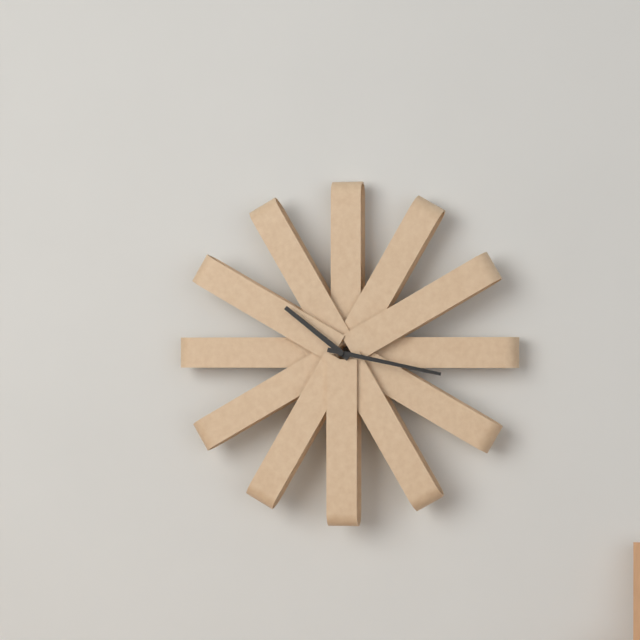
{"hour": 10, "minute": 17}
